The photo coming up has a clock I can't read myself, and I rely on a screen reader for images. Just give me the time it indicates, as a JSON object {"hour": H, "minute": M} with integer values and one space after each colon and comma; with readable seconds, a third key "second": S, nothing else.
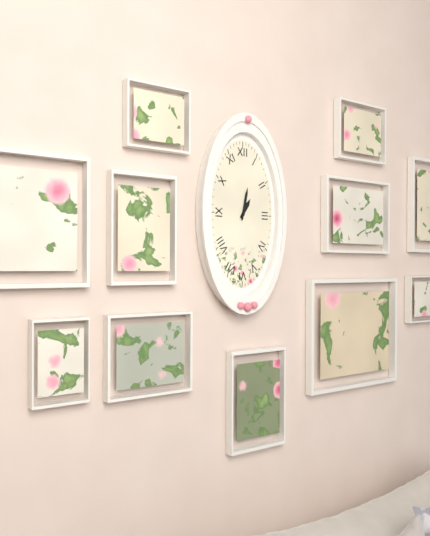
{"hour": 1, "minute": 2}
